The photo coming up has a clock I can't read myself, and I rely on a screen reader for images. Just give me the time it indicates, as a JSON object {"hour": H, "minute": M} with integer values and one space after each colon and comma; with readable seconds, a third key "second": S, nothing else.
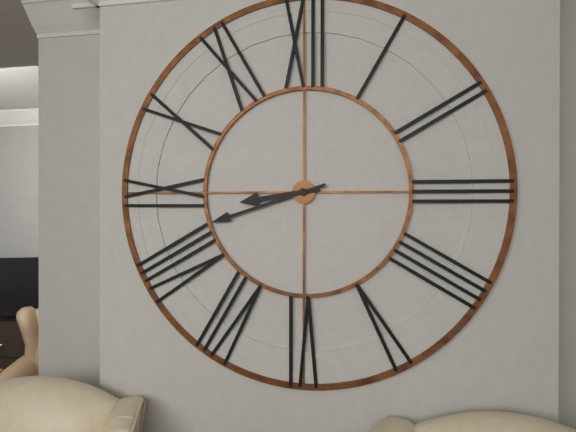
{"hour": 8, "minute": 42}
